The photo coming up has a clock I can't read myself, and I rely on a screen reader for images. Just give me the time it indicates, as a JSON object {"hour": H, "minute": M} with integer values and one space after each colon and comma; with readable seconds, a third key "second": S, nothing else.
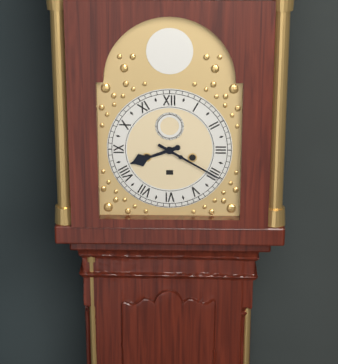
{"hour": 8, "minute": 20}
